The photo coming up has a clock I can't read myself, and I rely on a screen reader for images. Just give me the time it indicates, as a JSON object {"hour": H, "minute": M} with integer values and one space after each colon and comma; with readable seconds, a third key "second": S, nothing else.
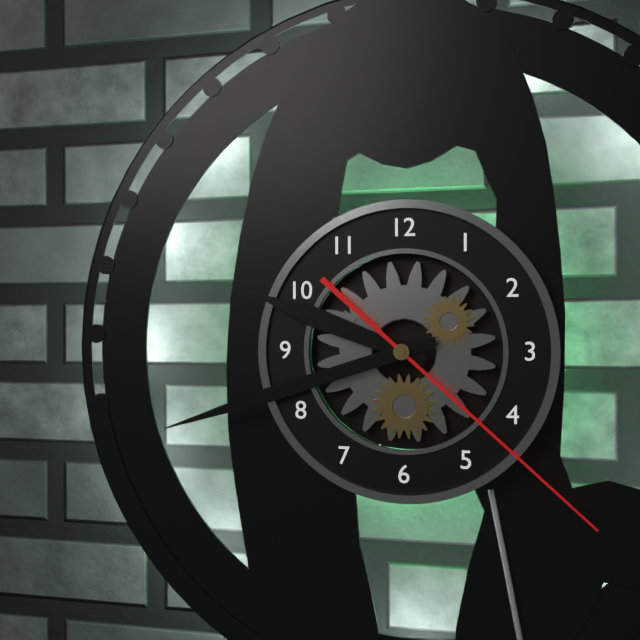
{"hour": 9, "minute": 42, "second": 22}
